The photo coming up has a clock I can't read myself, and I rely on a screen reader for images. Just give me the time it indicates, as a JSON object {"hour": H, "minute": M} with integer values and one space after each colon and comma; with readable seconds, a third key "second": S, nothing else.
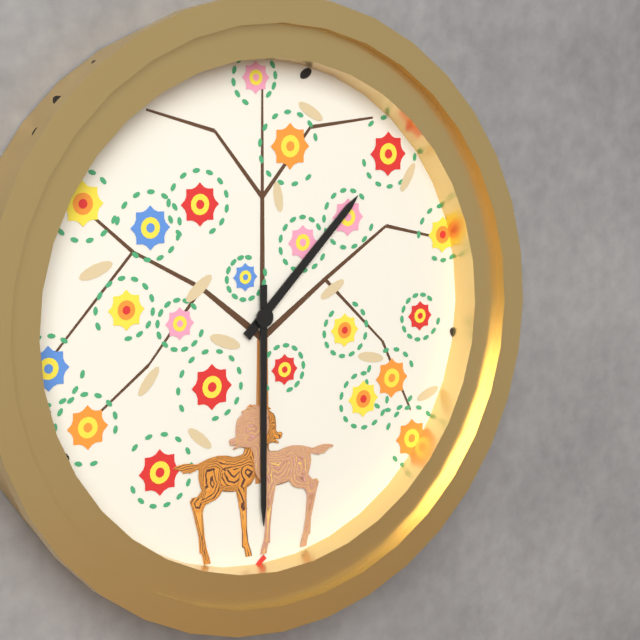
{"hour": 1, "minute": 30}
